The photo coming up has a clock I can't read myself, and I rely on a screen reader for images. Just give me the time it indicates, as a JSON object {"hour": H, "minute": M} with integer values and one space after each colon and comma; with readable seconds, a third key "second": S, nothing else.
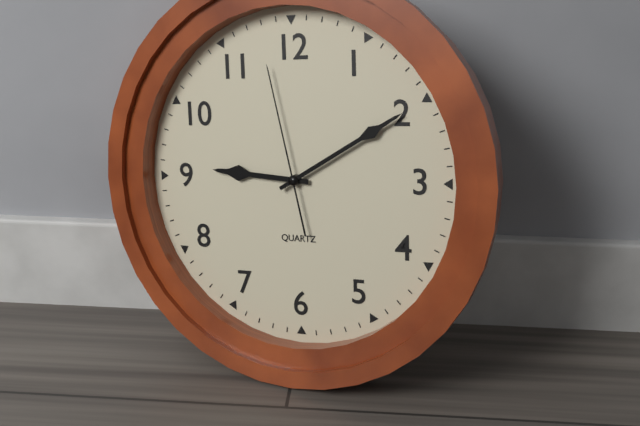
{"hour": 9, "minute": 10, "second": 58}
